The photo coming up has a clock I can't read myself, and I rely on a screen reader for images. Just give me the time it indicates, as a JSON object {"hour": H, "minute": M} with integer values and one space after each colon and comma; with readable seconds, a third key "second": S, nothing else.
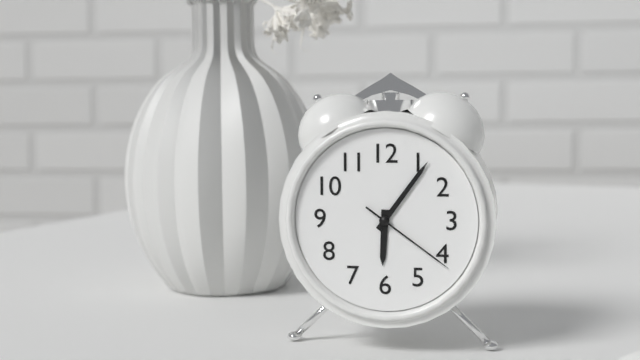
{"hour": 6, "minute": 6, "second": 21}
